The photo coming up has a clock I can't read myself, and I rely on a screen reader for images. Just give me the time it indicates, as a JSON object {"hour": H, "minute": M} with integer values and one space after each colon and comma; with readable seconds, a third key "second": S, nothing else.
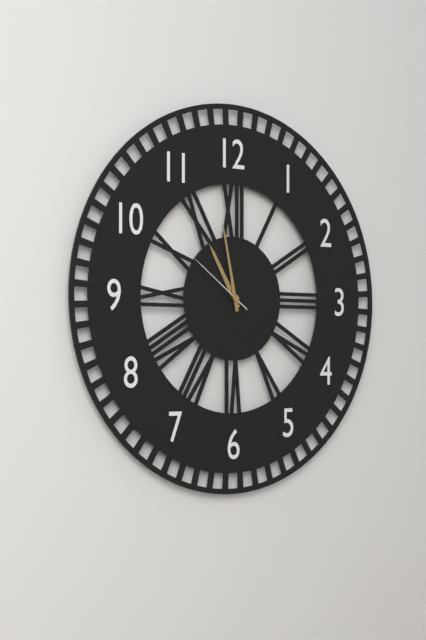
{"hour": 10, "minute": 58, "second": 51}
